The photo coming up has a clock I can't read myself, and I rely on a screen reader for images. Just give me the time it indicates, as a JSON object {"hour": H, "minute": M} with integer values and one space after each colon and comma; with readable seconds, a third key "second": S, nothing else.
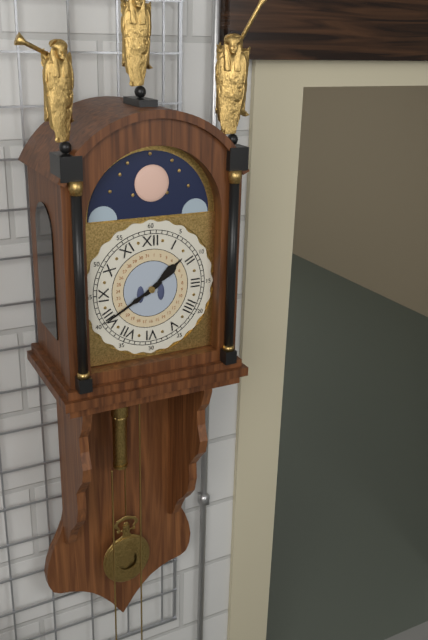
{"hour": 1, "minute": 40}
